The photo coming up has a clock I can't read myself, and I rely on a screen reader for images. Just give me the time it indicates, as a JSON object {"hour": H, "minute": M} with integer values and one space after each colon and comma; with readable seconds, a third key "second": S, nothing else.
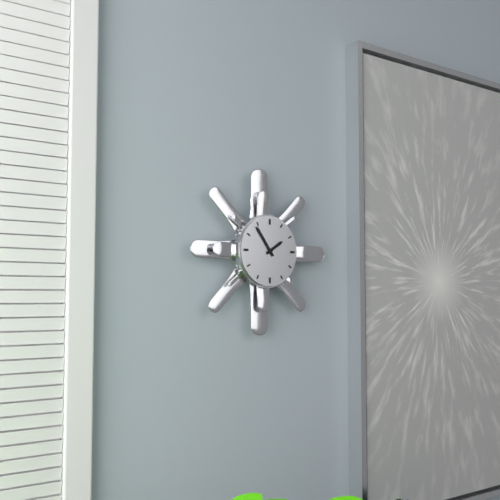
{"hour": 1, "minute": 54}
